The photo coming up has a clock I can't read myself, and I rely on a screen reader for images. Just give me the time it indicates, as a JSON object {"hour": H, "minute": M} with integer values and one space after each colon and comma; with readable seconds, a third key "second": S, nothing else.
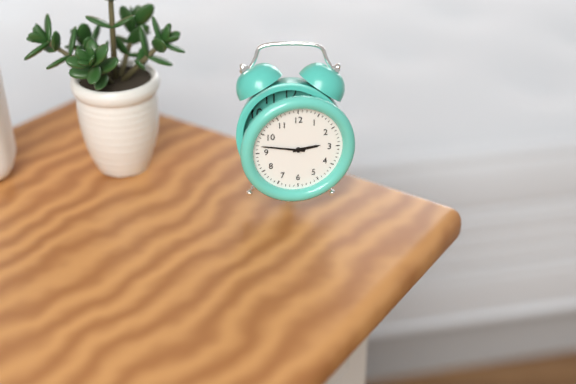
{"hour": 2, "minute": 47}
